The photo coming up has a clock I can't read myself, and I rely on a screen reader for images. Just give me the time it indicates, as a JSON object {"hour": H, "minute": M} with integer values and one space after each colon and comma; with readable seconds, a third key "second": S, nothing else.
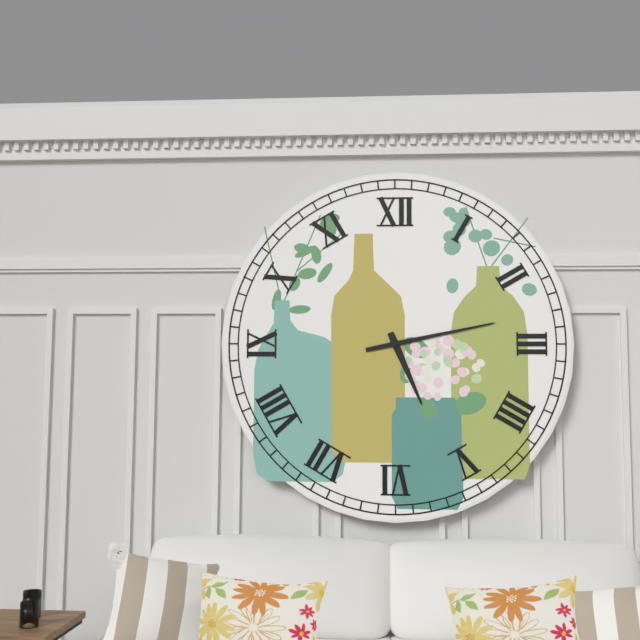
{"hour": 5, "minute": 13}
